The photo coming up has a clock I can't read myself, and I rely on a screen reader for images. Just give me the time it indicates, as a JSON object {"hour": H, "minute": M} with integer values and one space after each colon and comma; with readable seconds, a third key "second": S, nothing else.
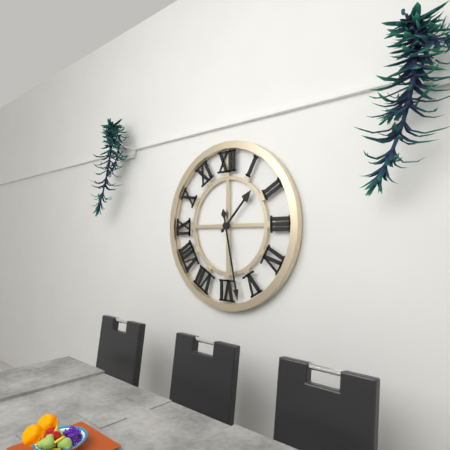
{"hour": 1, "minute": 28}
